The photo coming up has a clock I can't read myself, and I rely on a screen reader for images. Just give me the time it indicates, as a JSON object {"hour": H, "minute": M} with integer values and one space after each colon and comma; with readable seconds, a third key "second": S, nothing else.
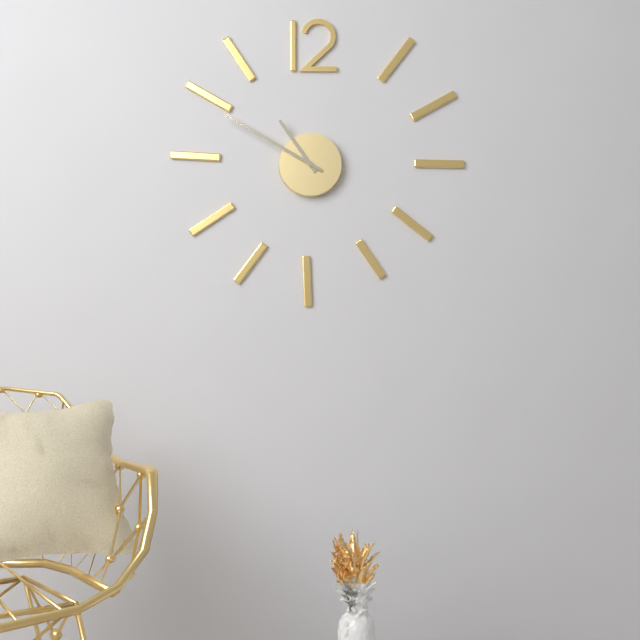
{"hour": 10, "minute": 50}
